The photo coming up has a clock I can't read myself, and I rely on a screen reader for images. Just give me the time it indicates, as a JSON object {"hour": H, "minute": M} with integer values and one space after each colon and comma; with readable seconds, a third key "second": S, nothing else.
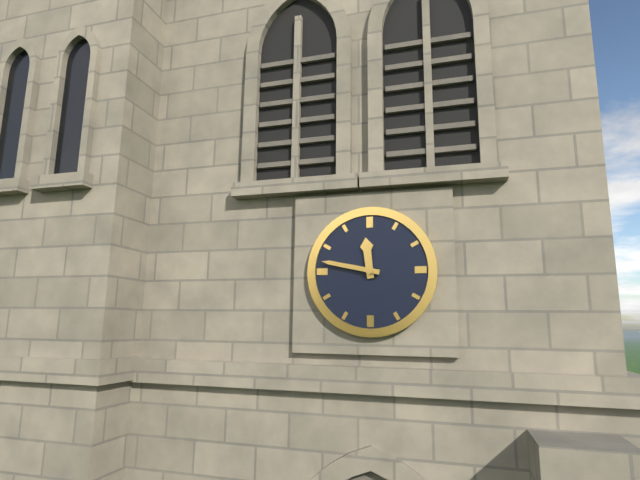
{"hour": 11, "minute": 47}
